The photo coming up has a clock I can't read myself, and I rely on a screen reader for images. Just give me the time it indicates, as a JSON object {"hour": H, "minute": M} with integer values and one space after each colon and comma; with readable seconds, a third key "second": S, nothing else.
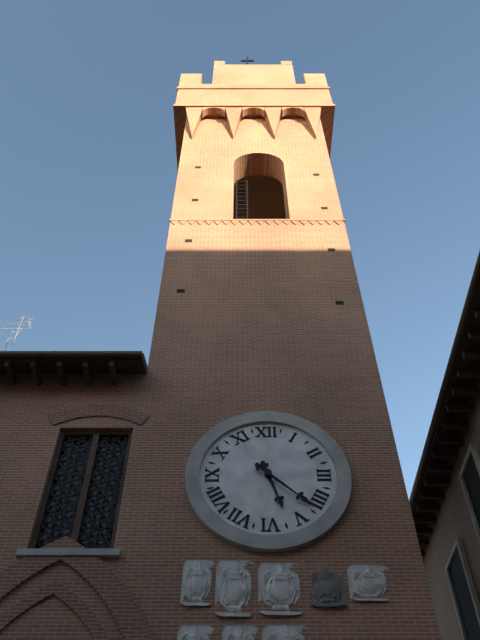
{"hour": 5, "minute": 22}
